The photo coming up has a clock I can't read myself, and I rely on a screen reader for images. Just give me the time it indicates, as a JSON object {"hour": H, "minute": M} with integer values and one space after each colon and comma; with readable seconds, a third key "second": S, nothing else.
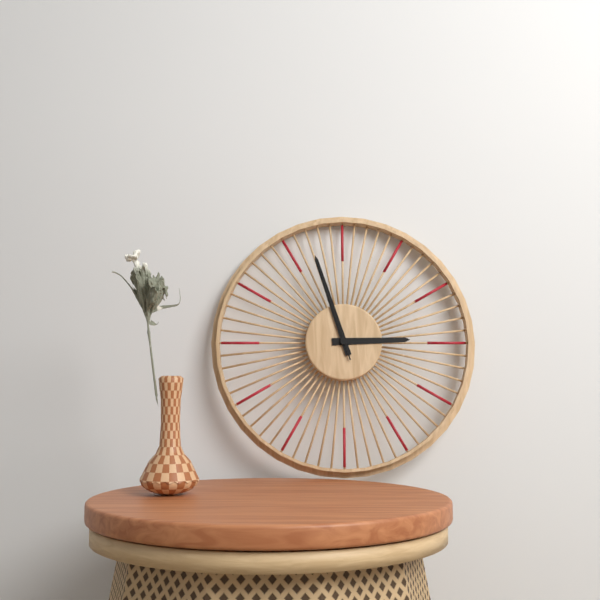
{"hour": 2, "minute": 57, "second": 57}
